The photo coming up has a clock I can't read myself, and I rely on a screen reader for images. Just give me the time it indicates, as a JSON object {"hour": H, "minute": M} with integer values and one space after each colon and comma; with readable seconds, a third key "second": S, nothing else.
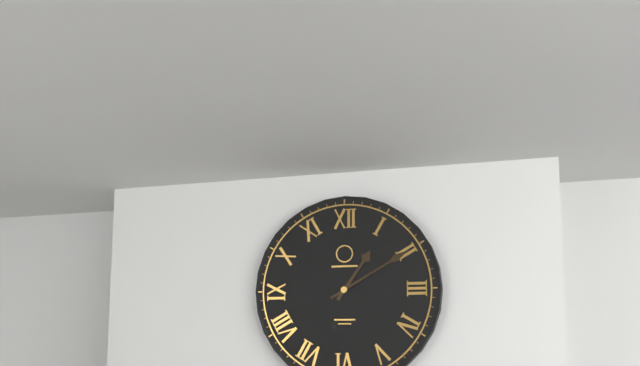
{"hour": 1, "minute": 10}
